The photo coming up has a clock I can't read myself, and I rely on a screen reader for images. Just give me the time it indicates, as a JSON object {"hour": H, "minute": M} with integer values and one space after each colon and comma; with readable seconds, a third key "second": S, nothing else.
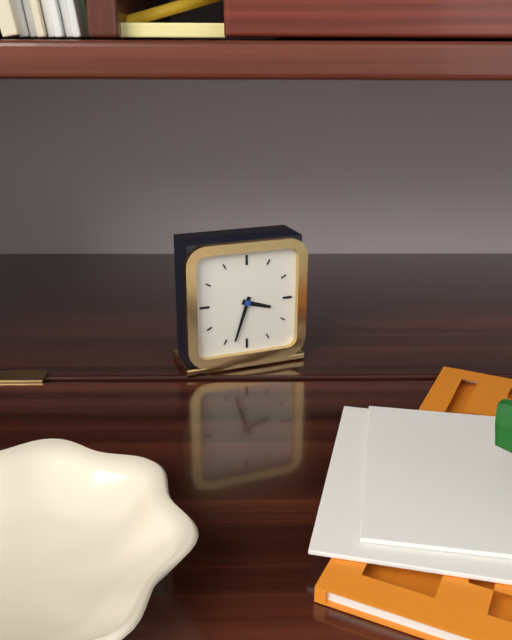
{"hour": 3, "minute": 33}
